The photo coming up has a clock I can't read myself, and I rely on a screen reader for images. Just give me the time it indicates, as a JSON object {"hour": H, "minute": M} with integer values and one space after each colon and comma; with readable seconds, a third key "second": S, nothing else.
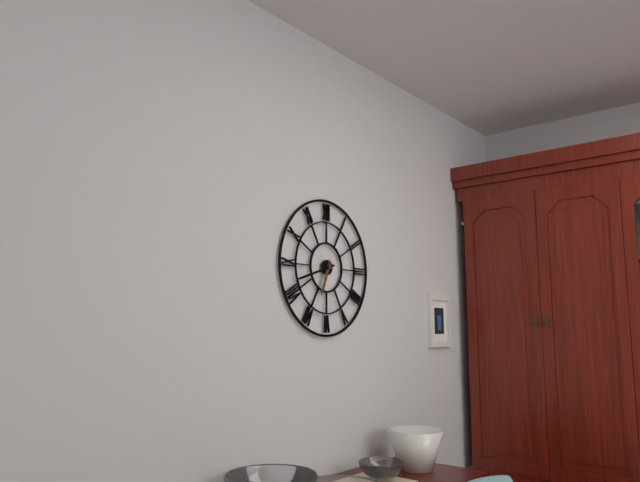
{"hour": 6, "minute": 42}
